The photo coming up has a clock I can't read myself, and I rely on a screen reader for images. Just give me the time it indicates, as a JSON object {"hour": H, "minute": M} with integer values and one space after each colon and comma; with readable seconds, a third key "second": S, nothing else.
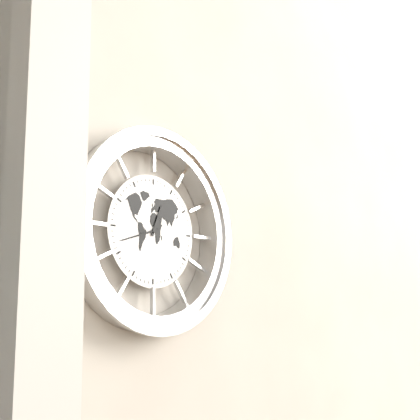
{"hour": 12, "minute": 42}
